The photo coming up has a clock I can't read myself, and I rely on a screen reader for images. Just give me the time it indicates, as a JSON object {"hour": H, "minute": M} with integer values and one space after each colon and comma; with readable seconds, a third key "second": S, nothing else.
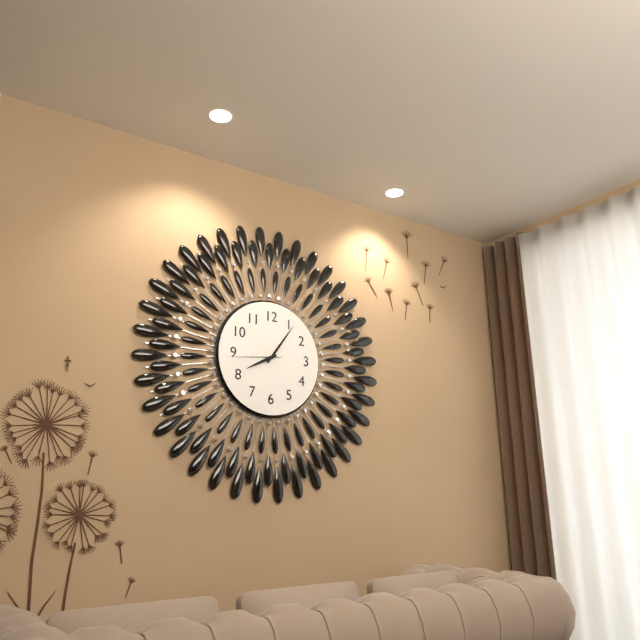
{"hour": 8, "minute": 6, "second": 44}
